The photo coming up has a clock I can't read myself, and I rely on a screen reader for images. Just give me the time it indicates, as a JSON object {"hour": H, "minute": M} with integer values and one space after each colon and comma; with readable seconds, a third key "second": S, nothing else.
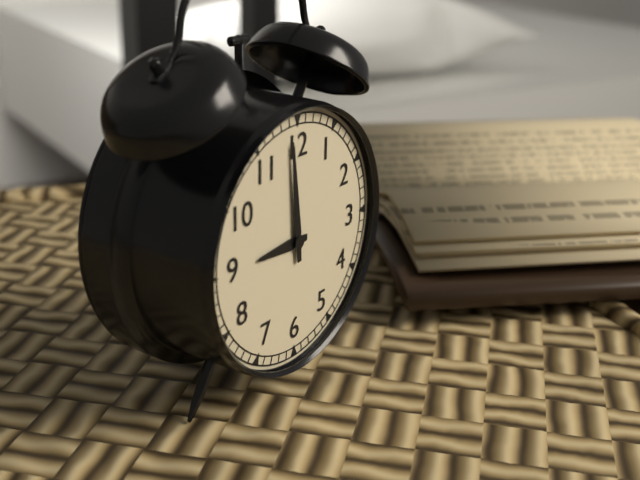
{"hour": 8, "minute": 59}
